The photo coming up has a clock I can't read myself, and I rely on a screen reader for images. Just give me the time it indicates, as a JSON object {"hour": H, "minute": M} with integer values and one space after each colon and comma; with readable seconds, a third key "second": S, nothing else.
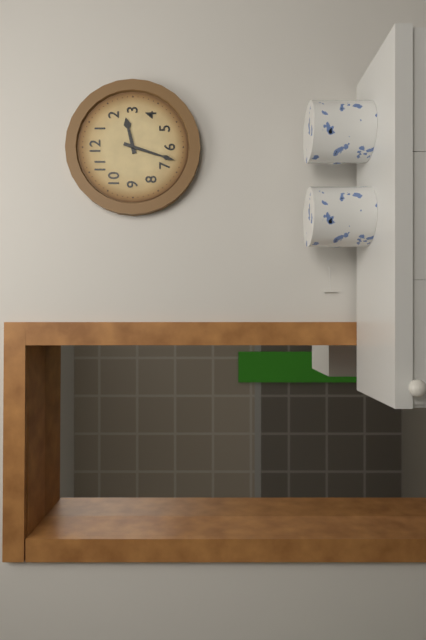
{"hour": 2, "minute": 33}
